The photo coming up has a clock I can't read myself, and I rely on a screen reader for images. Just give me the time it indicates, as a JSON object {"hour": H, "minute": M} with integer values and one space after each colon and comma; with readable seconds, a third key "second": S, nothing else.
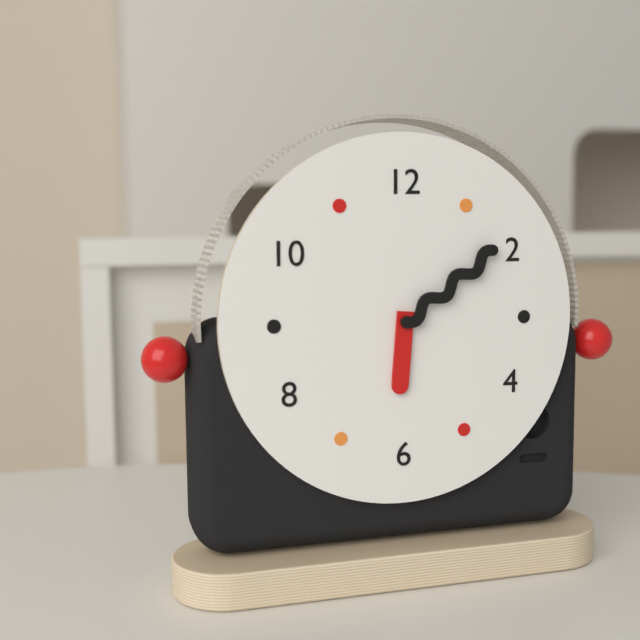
{"hour": 6, "minute": 9}
